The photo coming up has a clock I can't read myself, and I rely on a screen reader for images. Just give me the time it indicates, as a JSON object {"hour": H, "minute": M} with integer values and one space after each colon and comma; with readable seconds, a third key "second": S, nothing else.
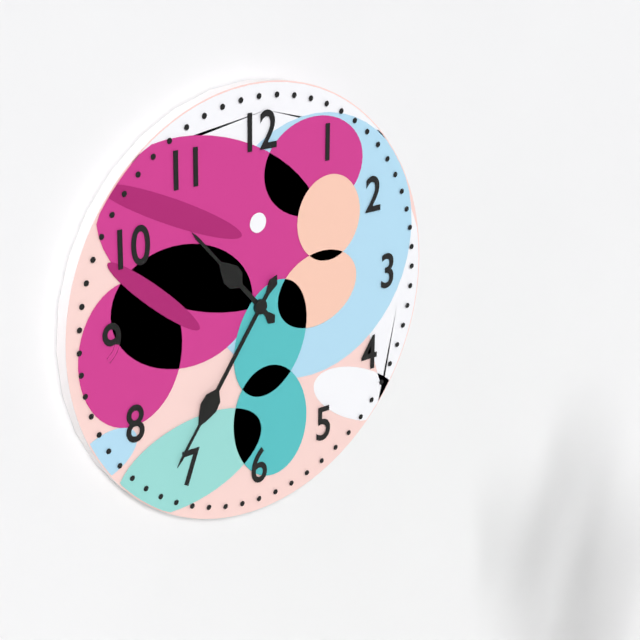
{"hour": 10, "minute": 36}
